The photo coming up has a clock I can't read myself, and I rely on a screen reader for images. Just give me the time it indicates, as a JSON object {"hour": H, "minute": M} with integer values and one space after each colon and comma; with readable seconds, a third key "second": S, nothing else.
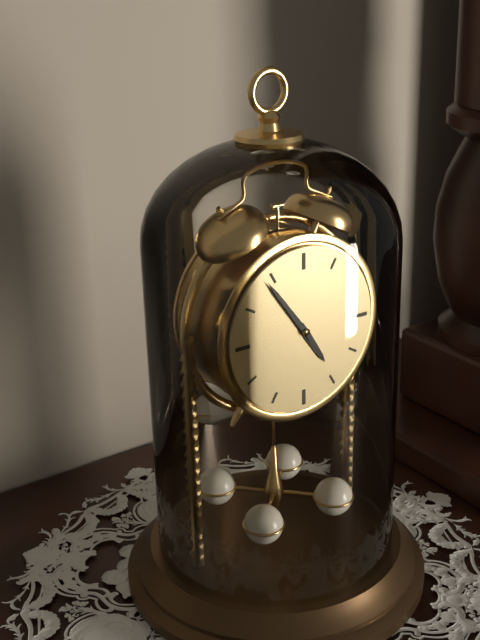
{"hour": 4, "minute": 54}
